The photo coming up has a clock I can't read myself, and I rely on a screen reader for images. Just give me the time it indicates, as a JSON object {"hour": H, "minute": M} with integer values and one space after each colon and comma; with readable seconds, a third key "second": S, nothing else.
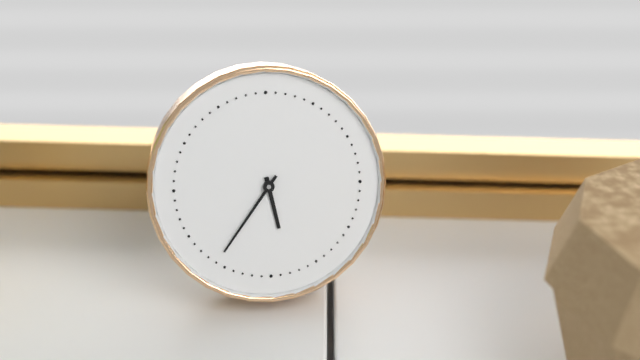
{"hour": 5, "minute": 36}
